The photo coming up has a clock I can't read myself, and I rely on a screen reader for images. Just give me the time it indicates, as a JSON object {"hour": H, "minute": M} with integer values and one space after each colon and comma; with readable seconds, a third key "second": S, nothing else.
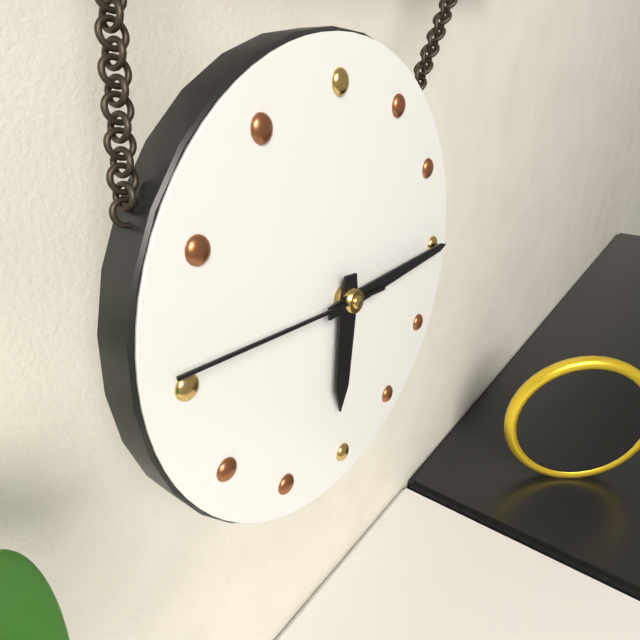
{"hour": 6, "minute": 15, "second": 46}
